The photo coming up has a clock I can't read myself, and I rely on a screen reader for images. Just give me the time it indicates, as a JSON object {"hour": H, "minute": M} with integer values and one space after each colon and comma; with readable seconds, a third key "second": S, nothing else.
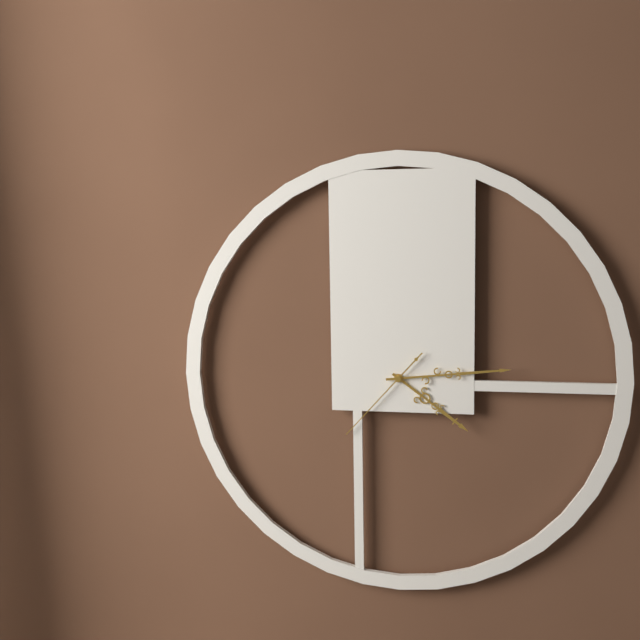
{"hour": 4, "minute": 14, "second": 37}
